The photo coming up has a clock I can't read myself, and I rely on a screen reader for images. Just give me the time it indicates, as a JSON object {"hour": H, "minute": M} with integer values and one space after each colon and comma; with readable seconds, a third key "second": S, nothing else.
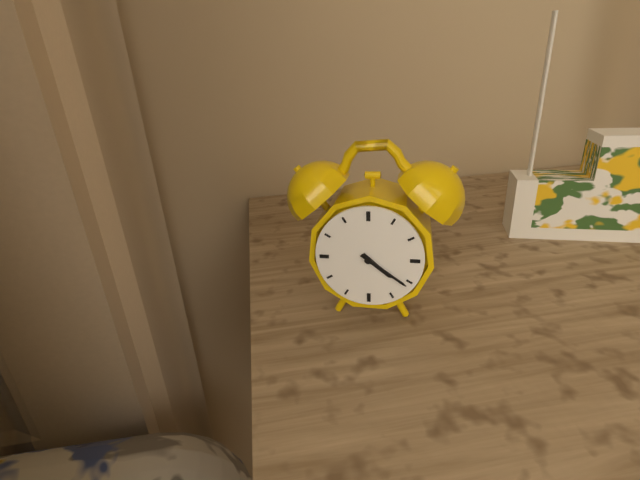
{"hour": 4, "minute": 21}
